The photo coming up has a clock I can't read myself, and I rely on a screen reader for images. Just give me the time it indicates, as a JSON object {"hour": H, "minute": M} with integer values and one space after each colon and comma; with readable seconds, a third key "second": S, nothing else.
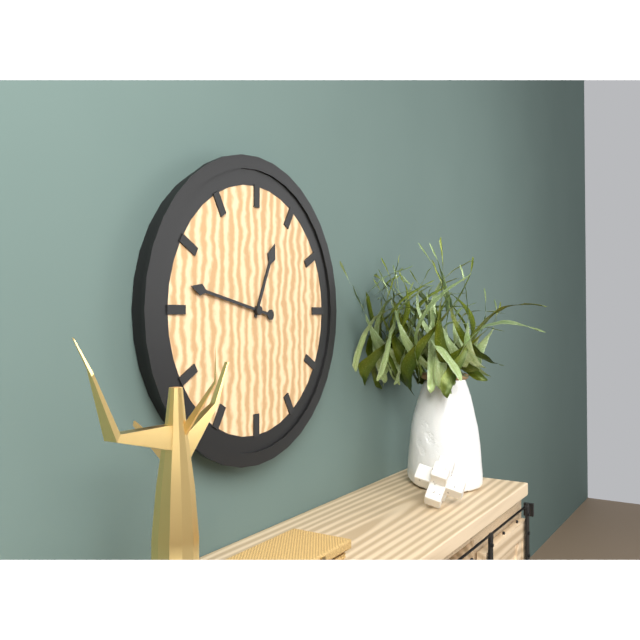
{"hour": 12, "minute": 47}
